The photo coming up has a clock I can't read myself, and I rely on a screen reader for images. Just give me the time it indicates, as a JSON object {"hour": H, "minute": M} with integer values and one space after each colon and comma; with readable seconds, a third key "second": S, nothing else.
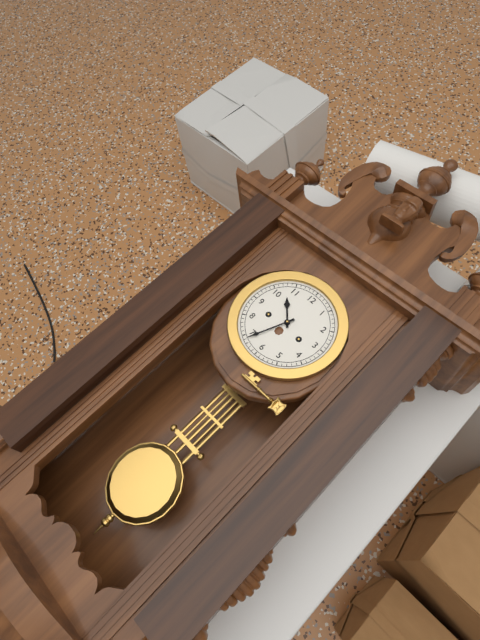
{"hour": 10, "minute": 34}
